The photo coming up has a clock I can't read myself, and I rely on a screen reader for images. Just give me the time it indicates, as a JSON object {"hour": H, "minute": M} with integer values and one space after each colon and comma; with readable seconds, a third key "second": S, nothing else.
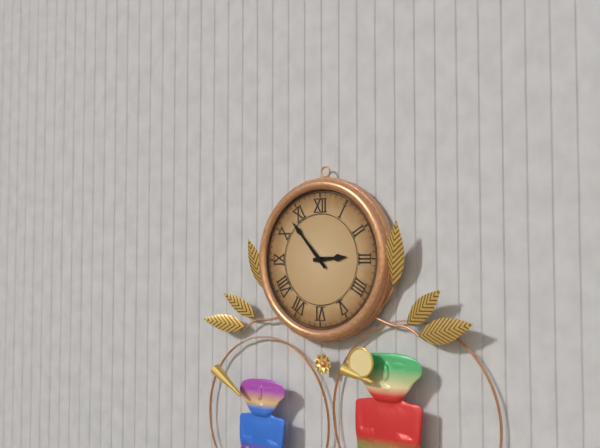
{"hour": 2, "minute": 53}
